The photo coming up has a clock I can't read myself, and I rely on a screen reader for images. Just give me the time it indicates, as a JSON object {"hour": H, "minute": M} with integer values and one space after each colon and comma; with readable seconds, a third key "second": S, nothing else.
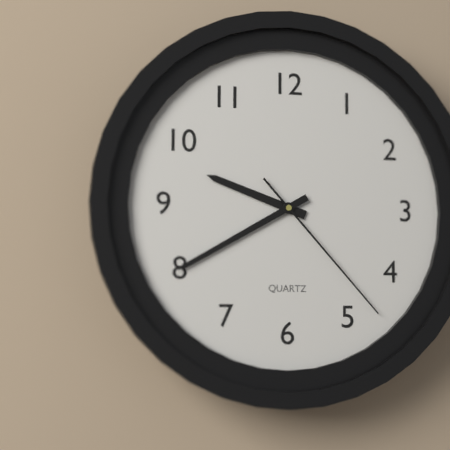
{"hour": 9, "minute": 40, "second": 23}
